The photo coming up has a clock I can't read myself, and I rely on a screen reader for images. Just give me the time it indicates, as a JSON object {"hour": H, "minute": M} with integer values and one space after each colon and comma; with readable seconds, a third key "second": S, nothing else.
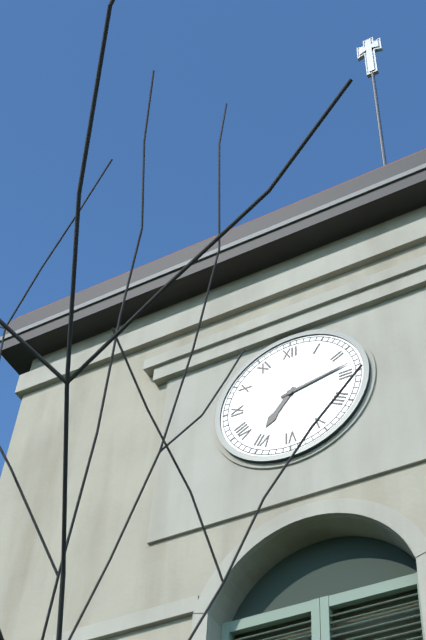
{"hour": 7, "minute": 13}
